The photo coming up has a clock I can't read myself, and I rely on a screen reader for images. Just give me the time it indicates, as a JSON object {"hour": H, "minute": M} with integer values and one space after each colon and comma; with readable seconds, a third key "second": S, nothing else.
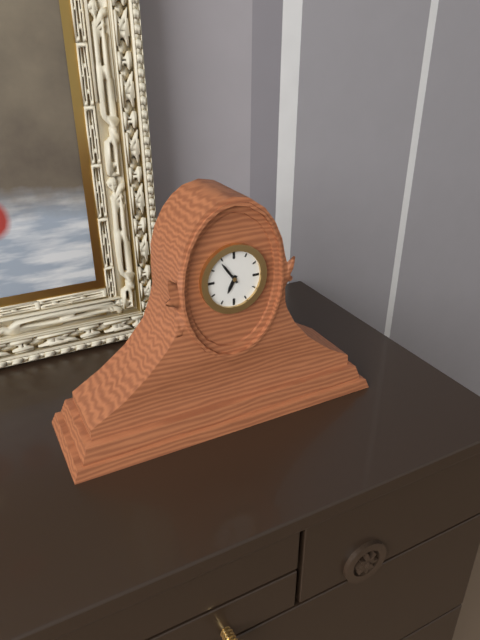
{"hour": 6, "minute": 54}
